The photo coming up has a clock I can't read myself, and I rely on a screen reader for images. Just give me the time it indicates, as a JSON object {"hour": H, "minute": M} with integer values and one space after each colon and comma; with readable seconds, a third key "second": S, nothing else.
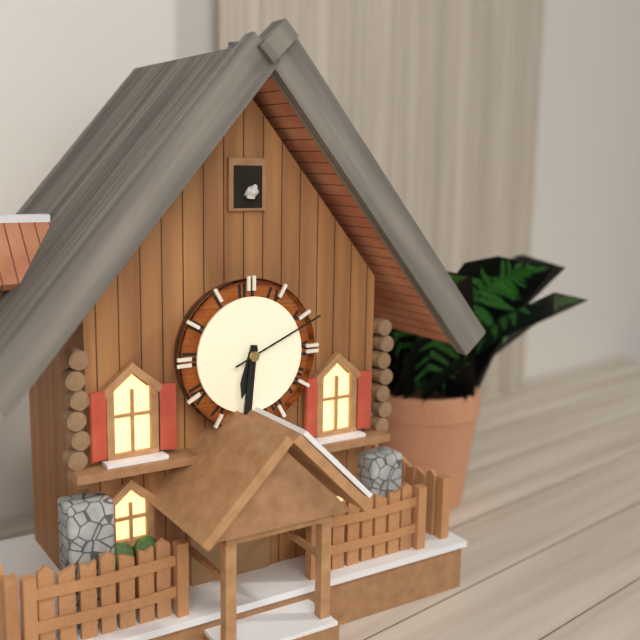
{"hour": 6, "minute": 31, "second": 11}
